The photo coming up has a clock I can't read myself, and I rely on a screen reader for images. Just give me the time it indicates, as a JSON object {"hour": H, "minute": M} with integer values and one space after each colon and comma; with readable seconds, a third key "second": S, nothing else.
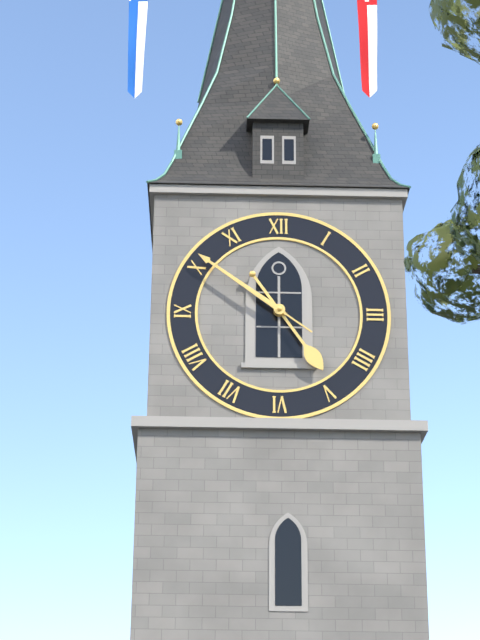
{"hour": 4, "minute": 51}
